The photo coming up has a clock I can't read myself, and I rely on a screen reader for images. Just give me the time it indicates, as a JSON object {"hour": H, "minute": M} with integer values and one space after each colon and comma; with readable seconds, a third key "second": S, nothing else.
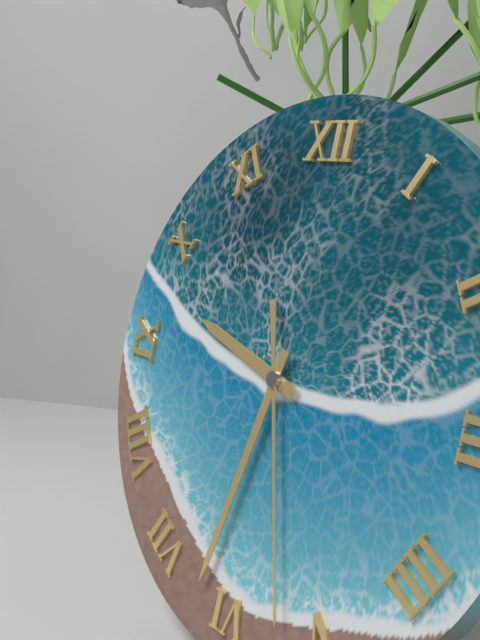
{"hour": 9, "minute": 32, "second": 27}
